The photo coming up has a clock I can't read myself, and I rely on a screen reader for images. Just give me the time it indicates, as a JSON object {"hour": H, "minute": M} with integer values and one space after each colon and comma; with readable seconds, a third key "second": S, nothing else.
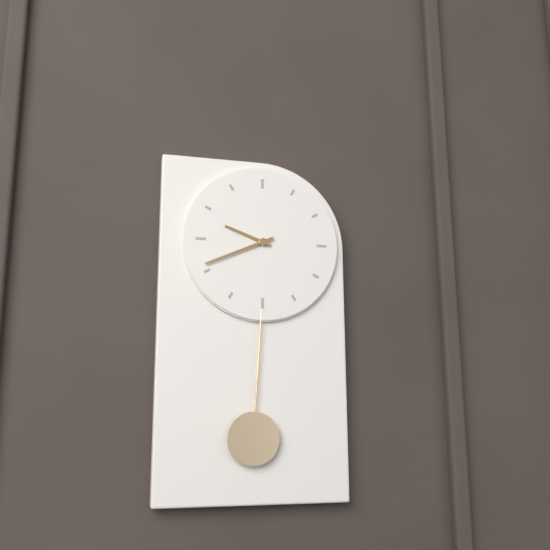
{"hour": 9, "minute": 41}
